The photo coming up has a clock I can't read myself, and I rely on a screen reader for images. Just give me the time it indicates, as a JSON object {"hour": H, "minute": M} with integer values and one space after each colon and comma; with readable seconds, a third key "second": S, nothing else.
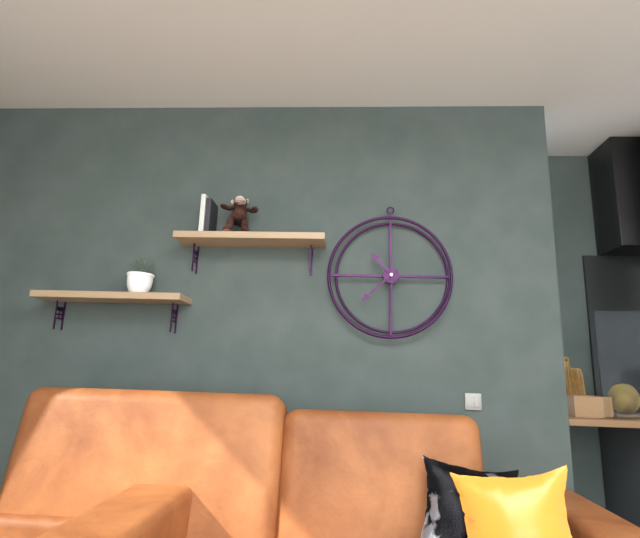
{"hour": 10, "minute": 38}
